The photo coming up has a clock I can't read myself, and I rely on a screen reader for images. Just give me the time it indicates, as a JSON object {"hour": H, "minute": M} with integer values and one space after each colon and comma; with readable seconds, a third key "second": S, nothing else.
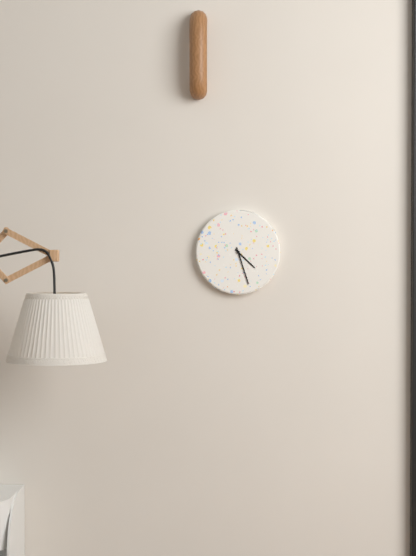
{"hour": 4, "minute": 27}
